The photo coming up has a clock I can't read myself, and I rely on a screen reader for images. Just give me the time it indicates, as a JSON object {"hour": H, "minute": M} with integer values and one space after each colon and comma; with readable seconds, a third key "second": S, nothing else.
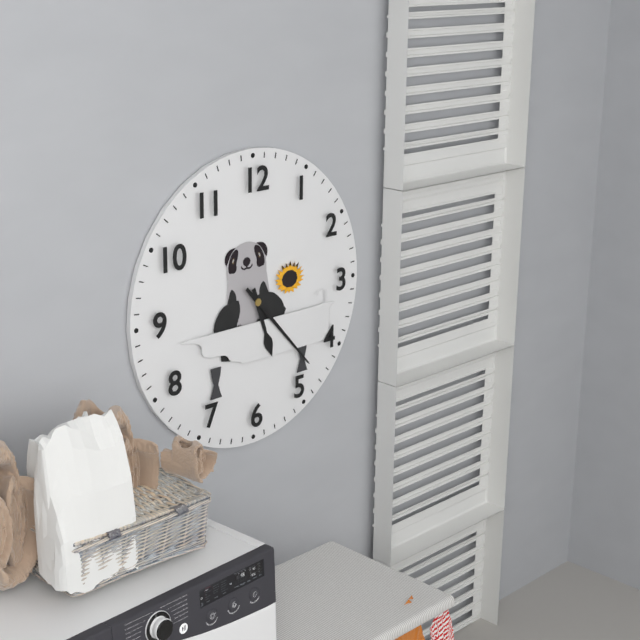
{"hour": 5, "minute": 23}
